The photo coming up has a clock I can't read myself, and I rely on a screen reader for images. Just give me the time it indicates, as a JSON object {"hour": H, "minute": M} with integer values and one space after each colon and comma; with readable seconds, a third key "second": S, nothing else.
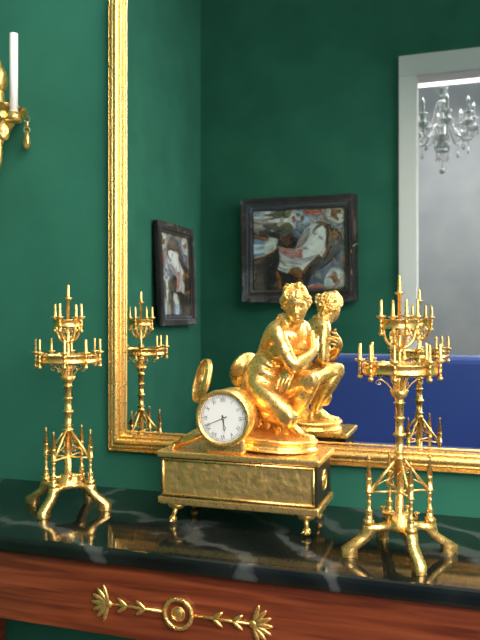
{"hour": 5, "minute": 41}
